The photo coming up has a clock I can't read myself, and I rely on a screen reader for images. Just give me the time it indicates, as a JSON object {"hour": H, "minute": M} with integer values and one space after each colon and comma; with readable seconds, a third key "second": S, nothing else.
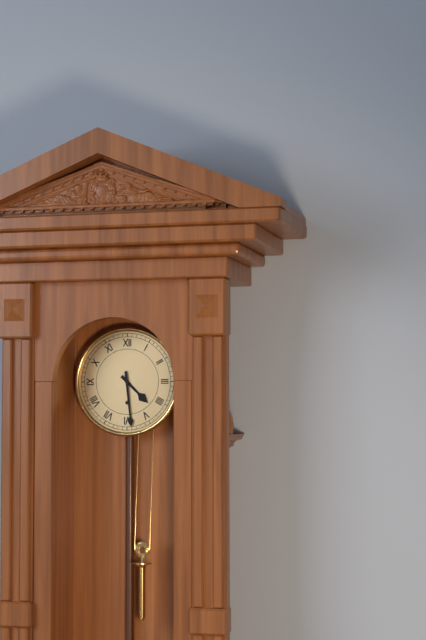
{"hour": 4, "minute": 29}
